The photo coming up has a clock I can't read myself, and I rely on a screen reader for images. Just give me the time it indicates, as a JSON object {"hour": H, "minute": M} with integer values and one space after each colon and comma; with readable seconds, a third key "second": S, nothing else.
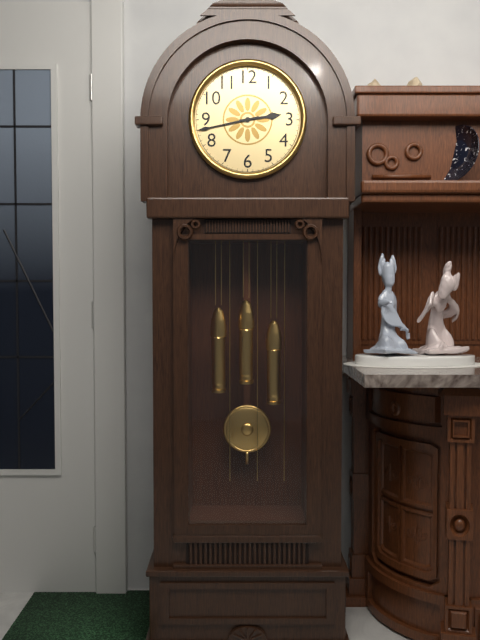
{"hour": 2, "minute": 43}
